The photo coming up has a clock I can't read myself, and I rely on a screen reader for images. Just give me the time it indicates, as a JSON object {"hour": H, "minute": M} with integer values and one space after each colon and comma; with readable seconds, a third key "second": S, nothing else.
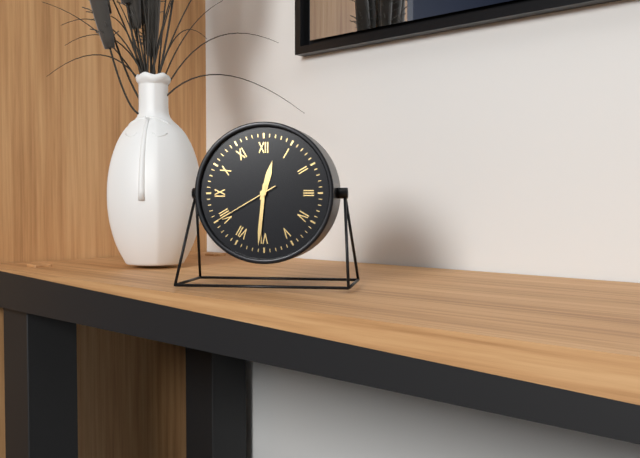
{"hour": 12, "minute": 31, "second": 40}
